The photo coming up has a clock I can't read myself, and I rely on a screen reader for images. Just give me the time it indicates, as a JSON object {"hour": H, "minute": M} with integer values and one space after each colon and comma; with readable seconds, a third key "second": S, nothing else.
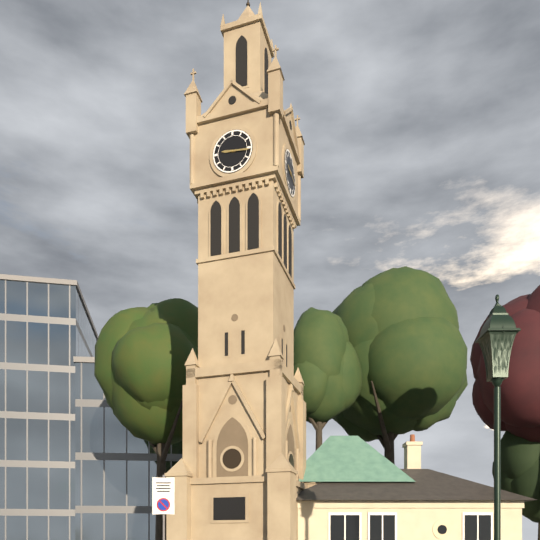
{"hour": 9, "minute": 16}
